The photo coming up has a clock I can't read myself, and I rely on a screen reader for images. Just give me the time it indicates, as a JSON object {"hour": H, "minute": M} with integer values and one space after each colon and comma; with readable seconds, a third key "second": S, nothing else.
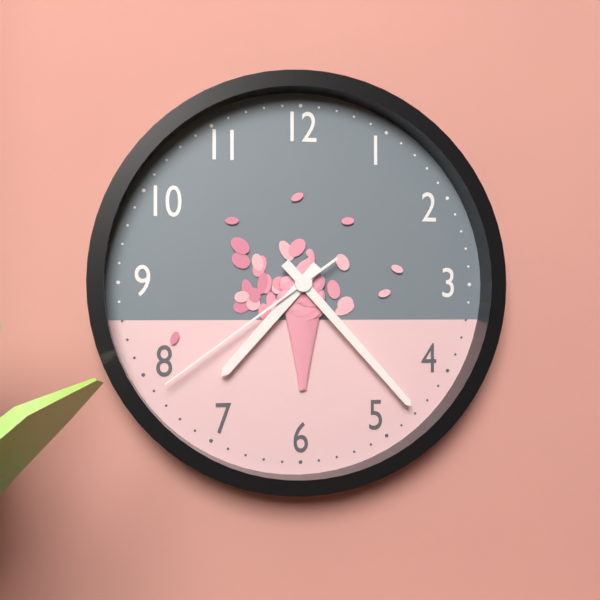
{"hour": 7, "minute": 23, "second": 39}
